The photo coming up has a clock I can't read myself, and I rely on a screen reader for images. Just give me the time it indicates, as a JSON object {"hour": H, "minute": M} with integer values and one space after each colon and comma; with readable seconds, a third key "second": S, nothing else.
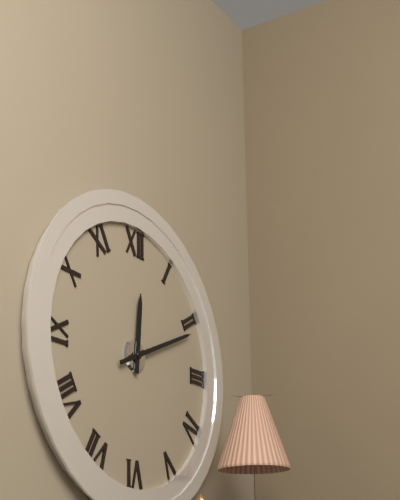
{"hour": 12, "minute": 11}
